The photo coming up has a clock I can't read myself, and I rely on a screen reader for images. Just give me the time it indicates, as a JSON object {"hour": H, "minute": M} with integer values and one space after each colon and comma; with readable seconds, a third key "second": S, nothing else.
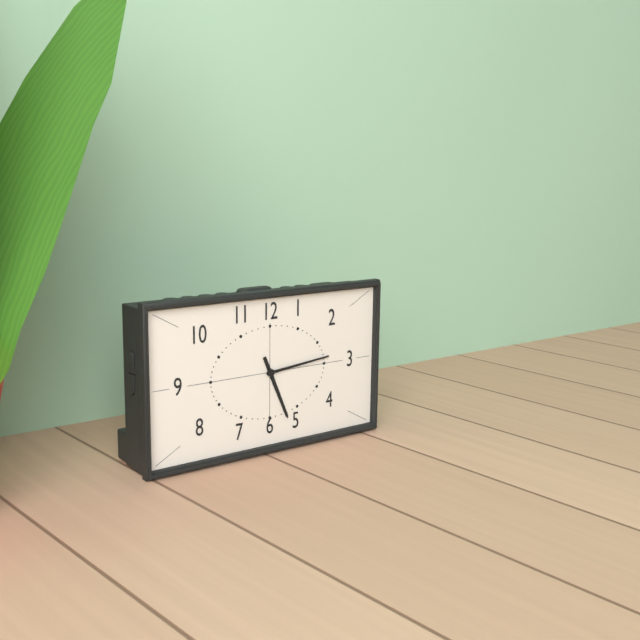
{"hour": 5, "minute": 14}
